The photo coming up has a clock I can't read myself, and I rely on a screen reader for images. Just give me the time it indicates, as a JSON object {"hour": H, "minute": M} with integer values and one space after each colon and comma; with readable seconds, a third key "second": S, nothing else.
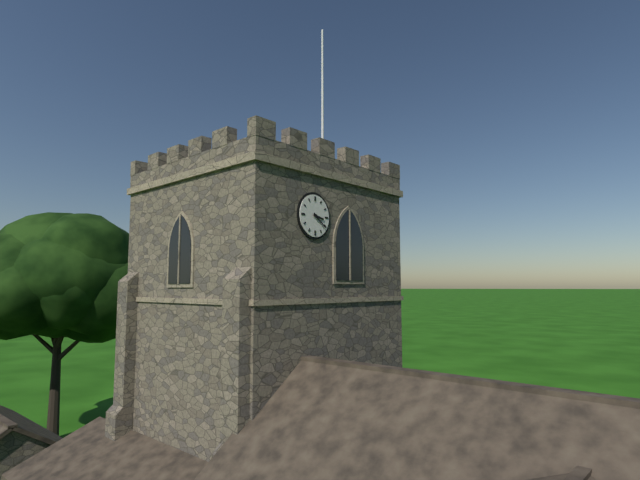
{"hour": 3, "minute": 21}
